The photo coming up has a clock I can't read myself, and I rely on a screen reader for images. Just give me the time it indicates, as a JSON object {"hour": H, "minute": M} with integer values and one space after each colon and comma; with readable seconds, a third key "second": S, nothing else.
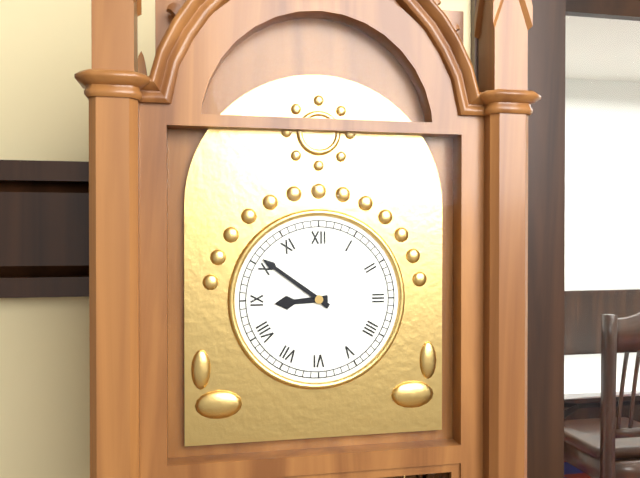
{"hour": 8, "minute": 51}
